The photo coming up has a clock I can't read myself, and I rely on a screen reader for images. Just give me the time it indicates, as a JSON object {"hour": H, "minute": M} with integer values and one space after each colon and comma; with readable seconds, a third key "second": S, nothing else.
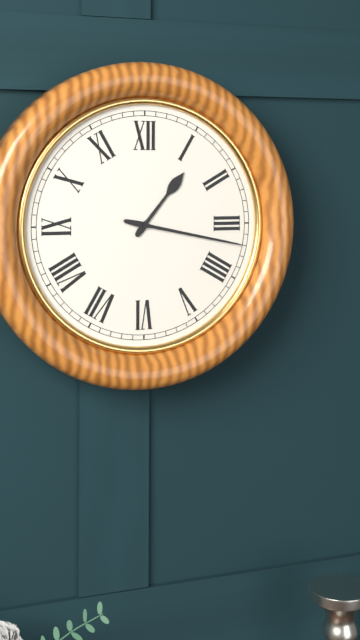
{"hour": 1, "minute": 17}
